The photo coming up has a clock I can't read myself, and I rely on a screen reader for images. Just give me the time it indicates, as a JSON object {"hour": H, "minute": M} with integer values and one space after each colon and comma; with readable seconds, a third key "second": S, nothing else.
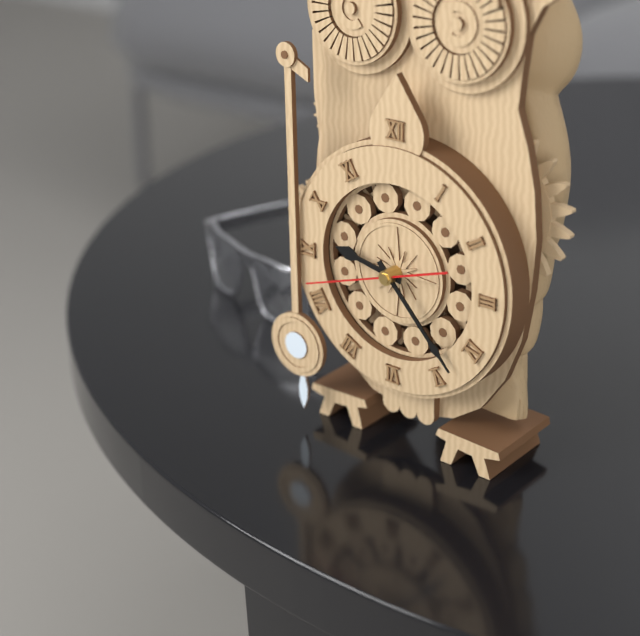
{"hour": 9, "minute": 23, "second": 42}
